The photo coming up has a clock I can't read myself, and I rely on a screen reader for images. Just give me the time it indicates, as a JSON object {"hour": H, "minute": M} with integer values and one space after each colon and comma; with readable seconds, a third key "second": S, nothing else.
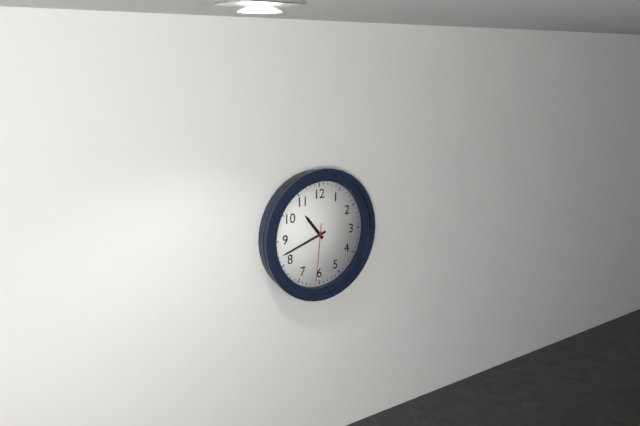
{"hour": 10, "minute": 42, "second": 31}
